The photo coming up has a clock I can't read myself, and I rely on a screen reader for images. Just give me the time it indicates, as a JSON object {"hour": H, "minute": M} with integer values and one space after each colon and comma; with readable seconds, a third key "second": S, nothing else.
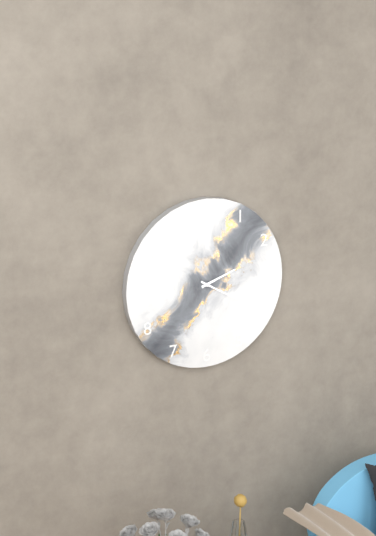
{"hour": 2, "minute": 20}
